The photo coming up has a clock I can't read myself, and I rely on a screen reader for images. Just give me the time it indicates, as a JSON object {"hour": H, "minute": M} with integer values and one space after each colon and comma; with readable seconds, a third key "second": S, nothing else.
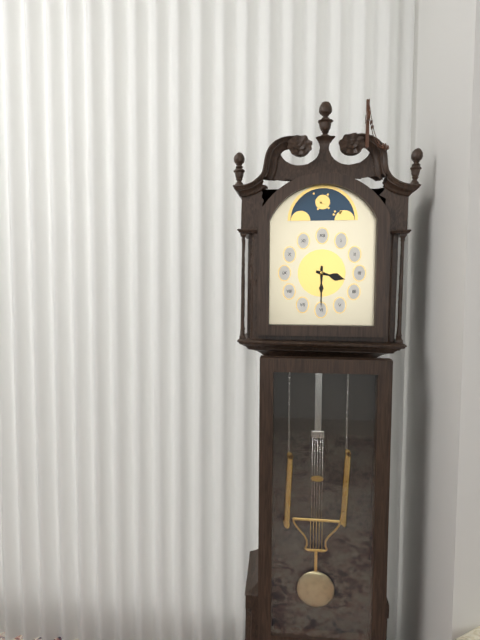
{"hour": 3, "minute": 30}
